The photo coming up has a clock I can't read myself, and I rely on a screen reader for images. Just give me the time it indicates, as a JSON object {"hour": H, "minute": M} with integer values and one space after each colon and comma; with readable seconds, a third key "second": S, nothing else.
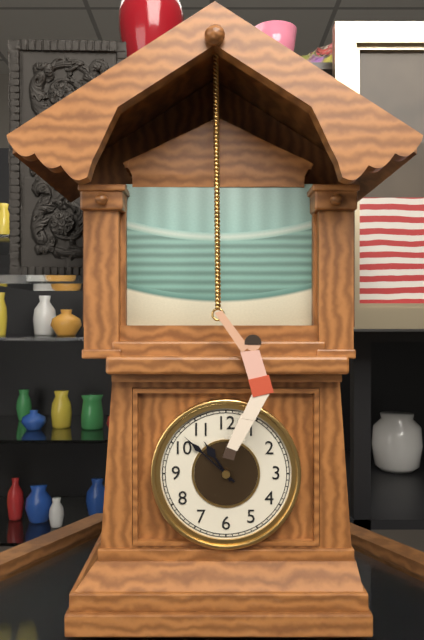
{"hour": 10, "minute": 52}
